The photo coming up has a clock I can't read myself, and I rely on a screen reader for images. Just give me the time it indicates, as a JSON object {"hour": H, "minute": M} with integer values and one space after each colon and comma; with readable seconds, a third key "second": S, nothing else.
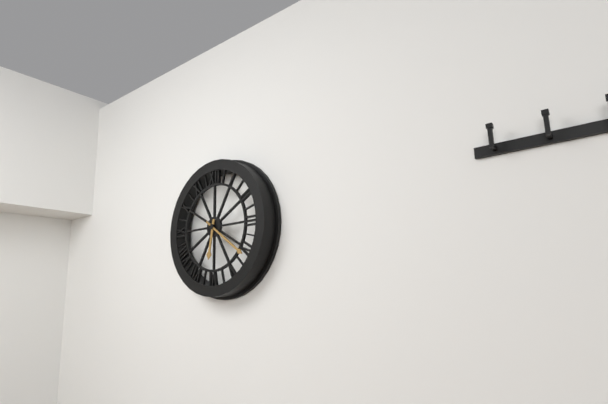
{"hour": 6, "minute": 21}
